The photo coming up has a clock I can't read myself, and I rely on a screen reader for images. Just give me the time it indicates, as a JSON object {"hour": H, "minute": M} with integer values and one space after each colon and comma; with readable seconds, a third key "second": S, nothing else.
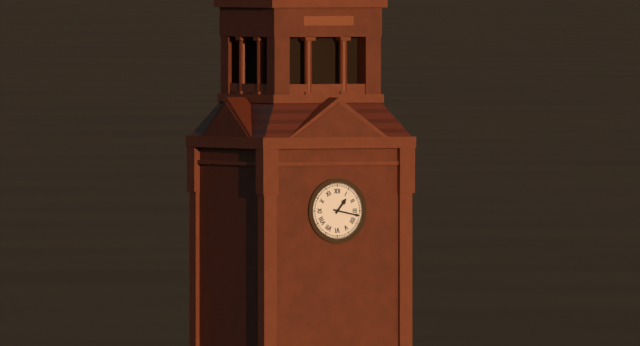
{"hour": 1, "minute": 17}
